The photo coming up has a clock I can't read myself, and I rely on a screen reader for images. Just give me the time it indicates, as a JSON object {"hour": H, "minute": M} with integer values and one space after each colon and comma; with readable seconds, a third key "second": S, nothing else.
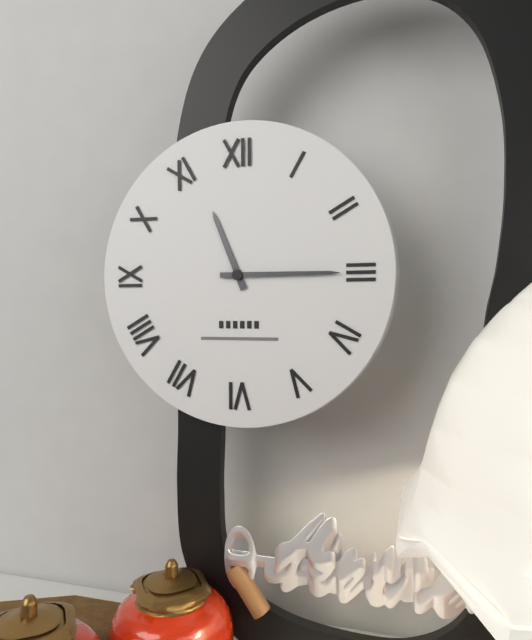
{"hour": 11, "minute": 15}
